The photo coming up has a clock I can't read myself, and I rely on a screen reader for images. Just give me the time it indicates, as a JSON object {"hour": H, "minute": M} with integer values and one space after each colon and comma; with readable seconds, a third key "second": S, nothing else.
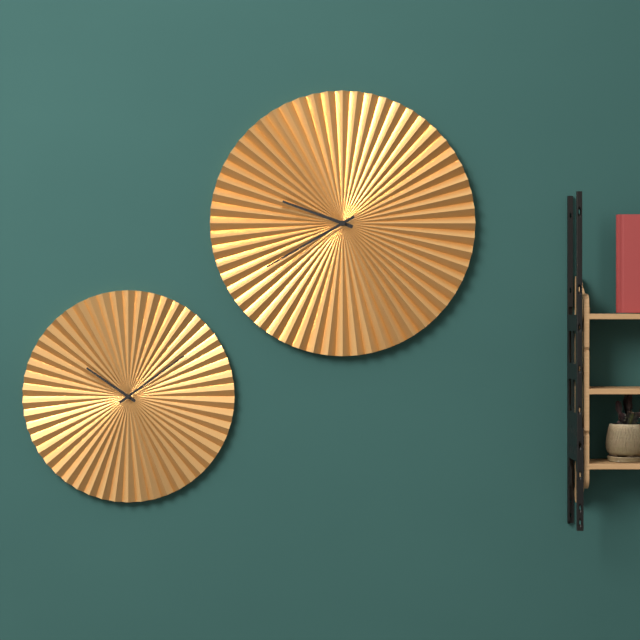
{"hour": 9, "minute": 40}
